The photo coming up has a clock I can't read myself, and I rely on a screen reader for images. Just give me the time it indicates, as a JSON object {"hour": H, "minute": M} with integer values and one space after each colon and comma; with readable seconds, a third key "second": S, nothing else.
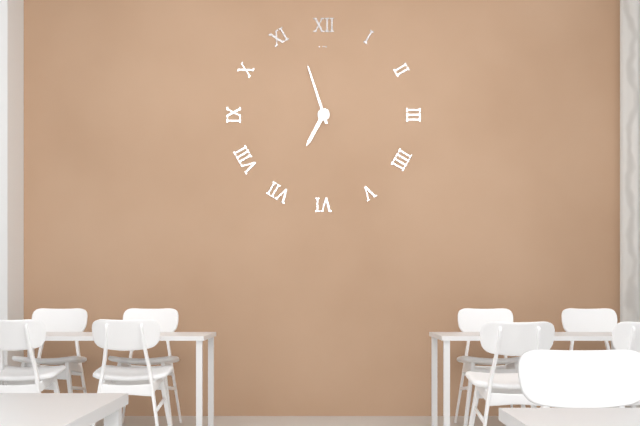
{"hour": 6, "minute": 57}
